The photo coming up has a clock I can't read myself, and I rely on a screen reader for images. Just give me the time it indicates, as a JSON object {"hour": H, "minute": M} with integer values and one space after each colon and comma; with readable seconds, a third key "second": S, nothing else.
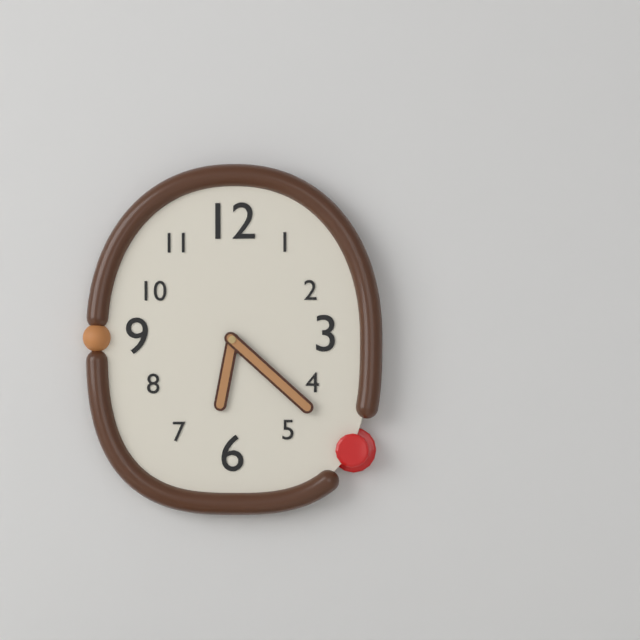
{"hour": 6, "minute": 22}
